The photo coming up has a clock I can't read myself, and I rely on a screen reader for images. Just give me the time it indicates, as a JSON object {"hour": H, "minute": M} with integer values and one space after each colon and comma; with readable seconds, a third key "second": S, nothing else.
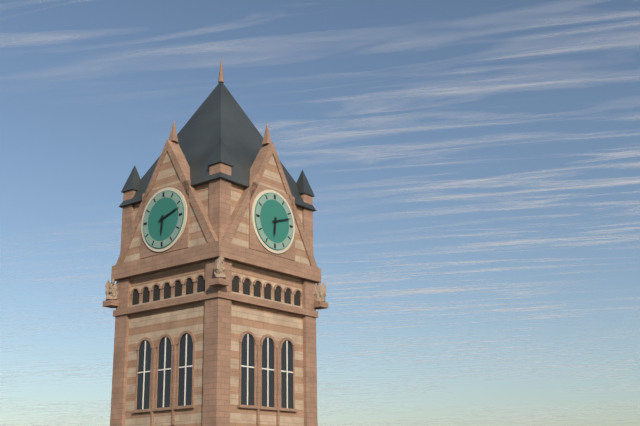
{"hour": 6, "minute": 12}
